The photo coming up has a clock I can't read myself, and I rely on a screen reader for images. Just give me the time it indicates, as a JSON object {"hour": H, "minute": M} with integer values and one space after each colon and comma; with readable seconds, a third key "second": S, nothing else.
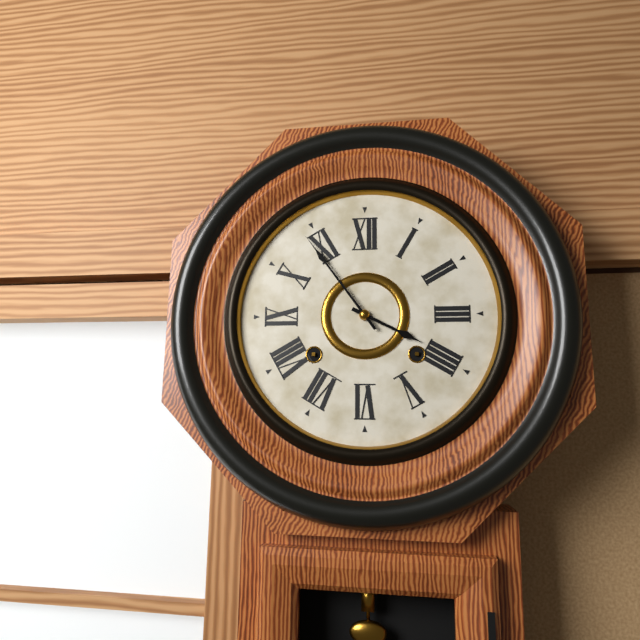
{"hour": 3, "minute": 54}
